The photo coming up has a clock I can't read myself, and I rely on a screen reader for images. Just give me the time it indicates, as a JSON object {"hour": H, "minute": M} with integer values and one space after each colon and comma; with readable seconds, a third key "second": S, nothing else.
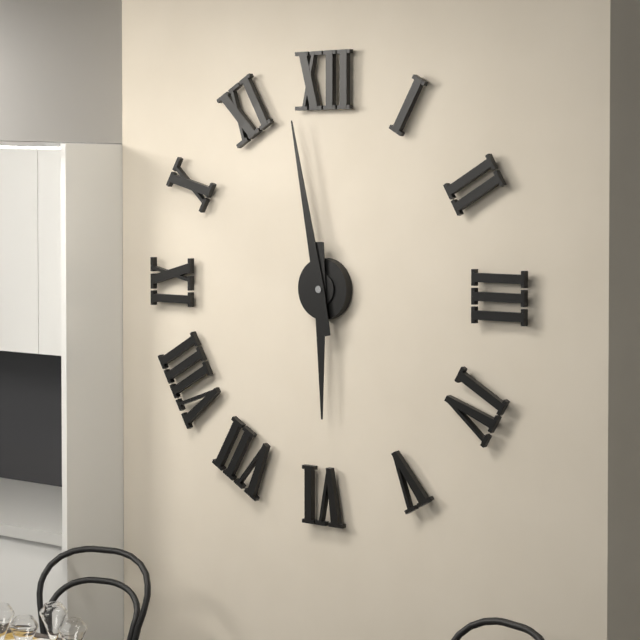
{"hour": 5, "minute": 58}
